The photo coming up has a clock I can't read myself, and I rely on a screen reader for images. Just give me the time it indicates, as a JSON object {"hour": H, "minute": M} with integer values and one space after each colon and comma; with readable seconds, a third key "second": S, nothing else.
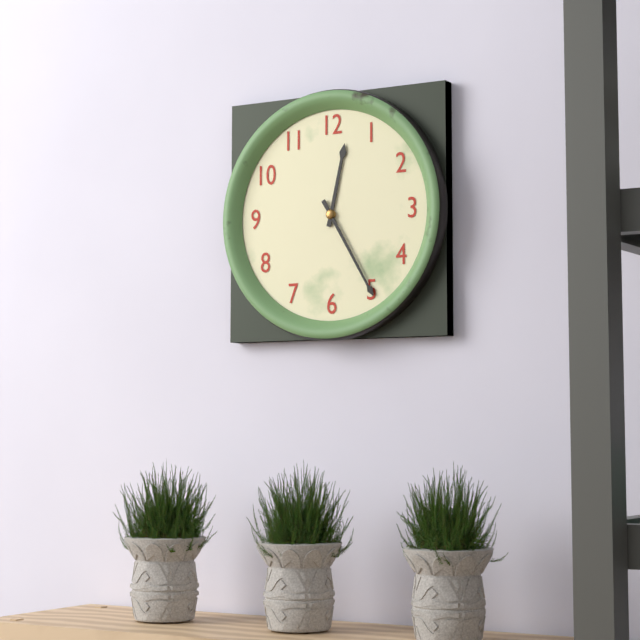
{"hour": 12, "minute": 25}
